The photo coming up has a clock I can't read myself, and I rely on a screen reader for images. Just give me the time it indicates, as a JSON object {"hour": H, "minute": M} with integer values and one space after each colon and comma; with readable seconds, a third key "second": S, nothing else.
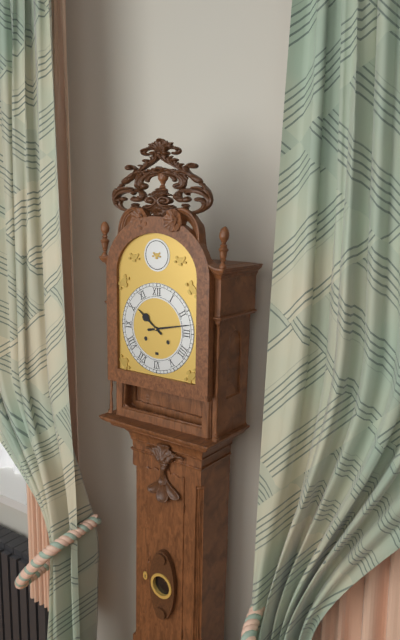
{"hour": 10, "minute": 13}
